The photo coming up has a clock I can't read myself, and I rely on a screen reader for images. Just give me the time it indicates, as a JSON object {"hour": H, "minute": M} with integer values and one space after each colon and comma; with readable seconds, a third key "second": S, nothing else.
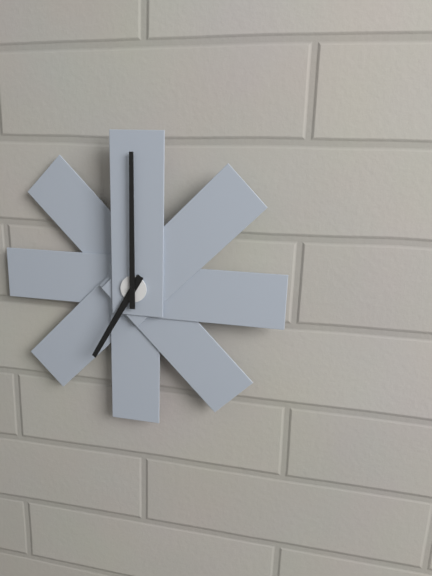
{"hour": 7, "minute": 0}
